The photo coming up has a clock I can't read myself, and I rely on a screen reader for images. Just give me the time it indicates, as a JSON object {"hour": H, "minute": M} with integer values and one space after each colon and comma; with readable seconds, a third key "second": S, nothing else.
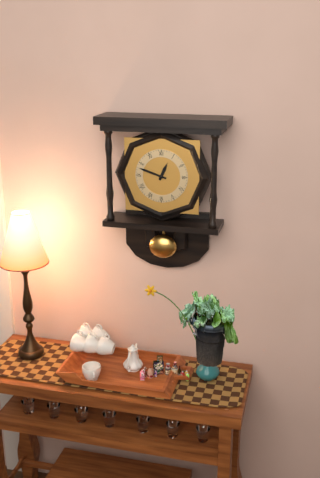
{"hour": 12, "minute": 48}
